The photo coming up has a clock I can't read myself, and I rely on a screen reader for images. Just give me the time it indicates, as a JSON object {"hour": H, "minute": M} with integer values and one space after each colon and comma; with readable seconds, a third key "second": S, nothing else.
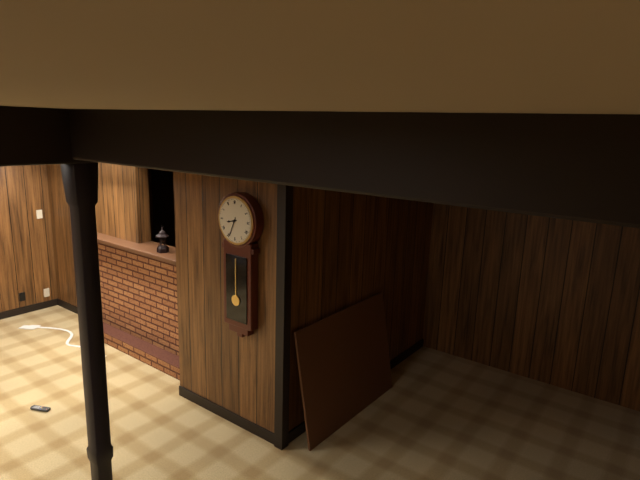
{"hour": 8, "minute": 34}
